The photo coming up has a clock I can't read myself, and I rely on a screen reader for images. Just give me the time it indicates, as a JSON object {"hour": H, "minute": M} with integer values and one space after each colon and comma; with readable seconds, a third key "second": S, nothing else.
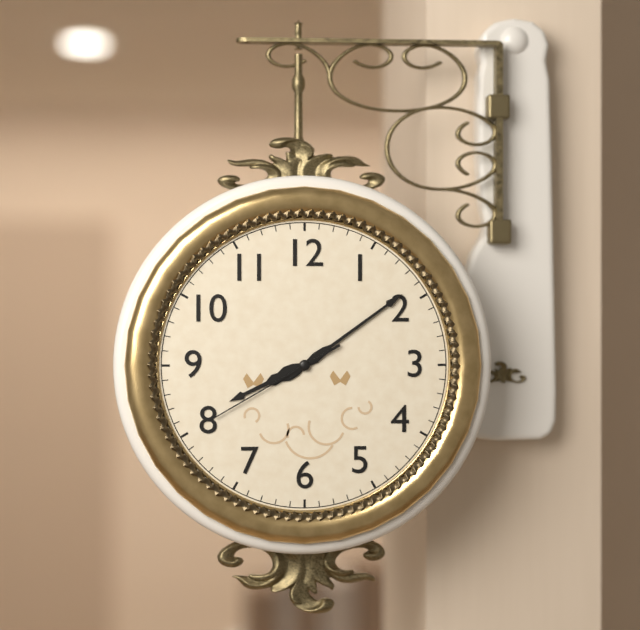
{"hour": 8, "minute": 9, "second": 40}
